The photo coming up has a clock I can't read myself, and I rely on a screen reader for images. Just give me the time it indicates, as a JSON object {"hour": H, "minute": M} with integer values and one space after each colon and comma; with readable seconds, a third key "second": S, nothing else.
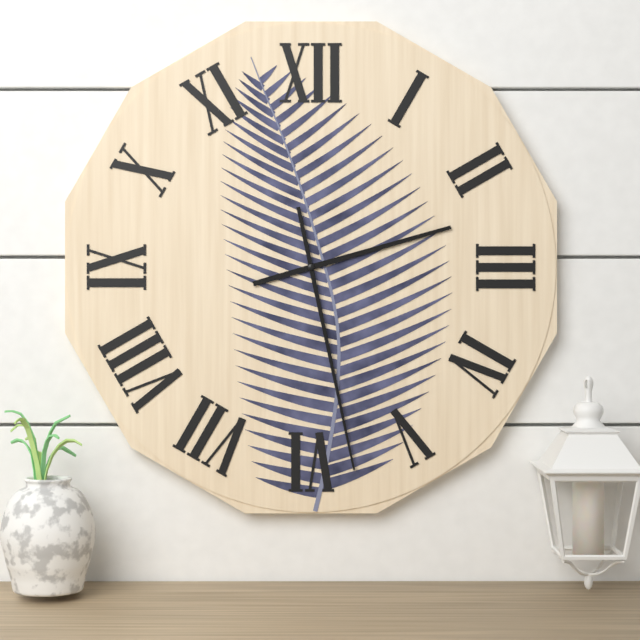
{"hour": 2, "minute": 28}
